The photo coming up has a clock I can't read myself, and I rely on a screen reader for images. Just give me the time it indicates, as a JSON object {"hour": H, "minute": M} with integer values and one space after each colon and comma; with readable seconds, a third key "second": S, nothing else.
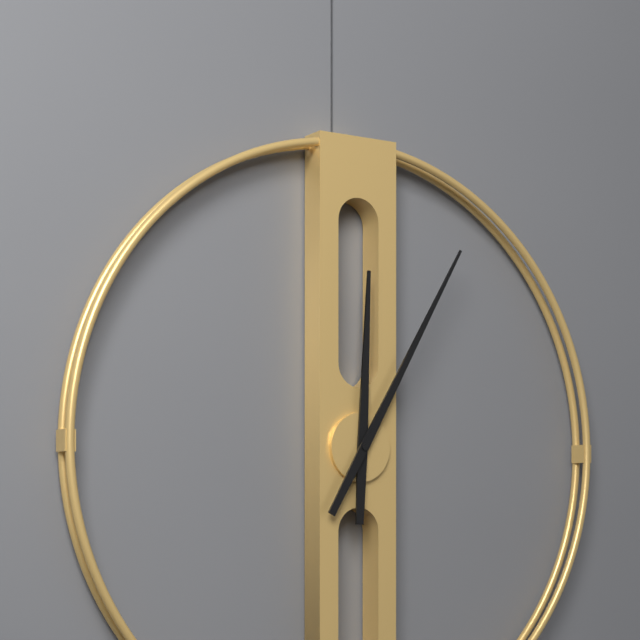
{"hour": 12, "minute": 5}
